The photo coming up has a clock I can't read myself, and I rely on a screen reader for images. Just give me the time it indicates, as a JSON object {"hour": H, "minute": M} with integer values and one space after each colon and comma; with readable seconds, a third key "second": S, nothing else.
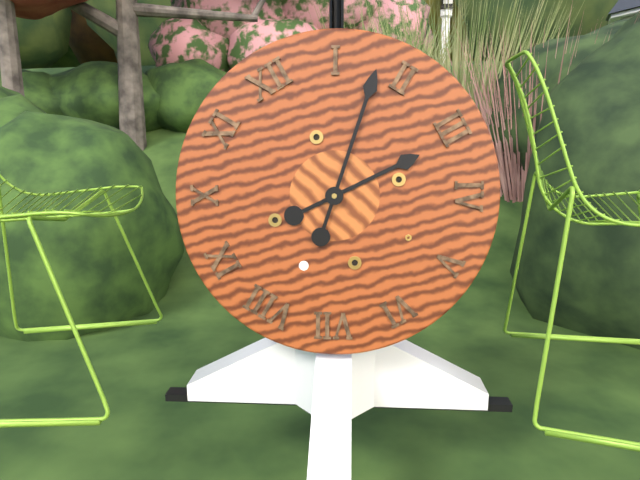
{"hour": 3, "minute": 8}
